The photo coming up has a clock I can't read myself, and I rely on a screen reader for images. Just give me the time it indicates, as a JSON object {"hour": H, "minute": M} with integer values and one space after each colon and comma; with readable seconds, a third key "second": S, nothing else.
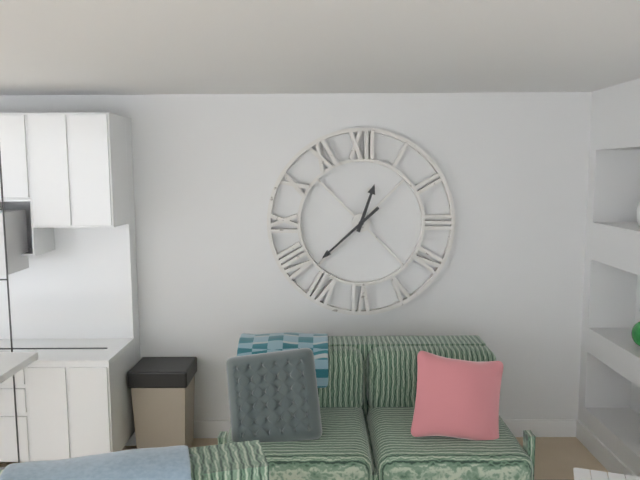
{"hour": 12, "minute": 38}
